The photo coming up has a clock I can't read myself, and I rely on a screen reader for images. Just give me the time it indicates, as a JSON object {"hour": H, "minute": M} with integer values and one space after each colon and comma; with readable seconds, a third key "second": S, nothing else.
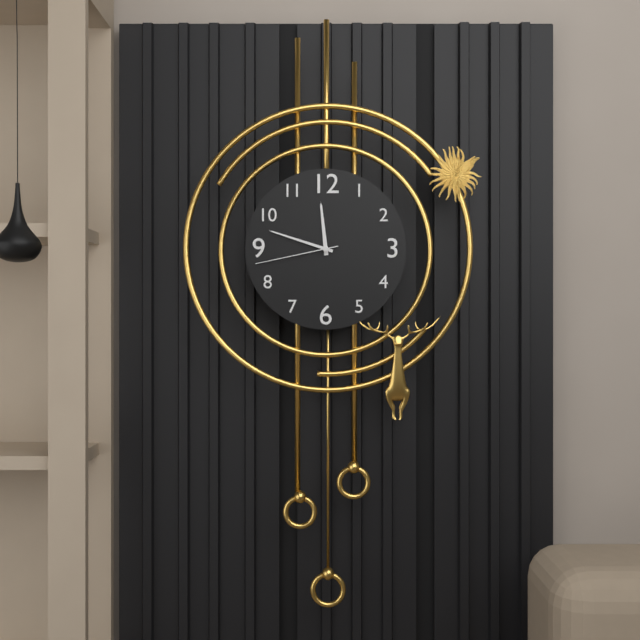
{"hour": 11, "minute": 48, "second": 43}
